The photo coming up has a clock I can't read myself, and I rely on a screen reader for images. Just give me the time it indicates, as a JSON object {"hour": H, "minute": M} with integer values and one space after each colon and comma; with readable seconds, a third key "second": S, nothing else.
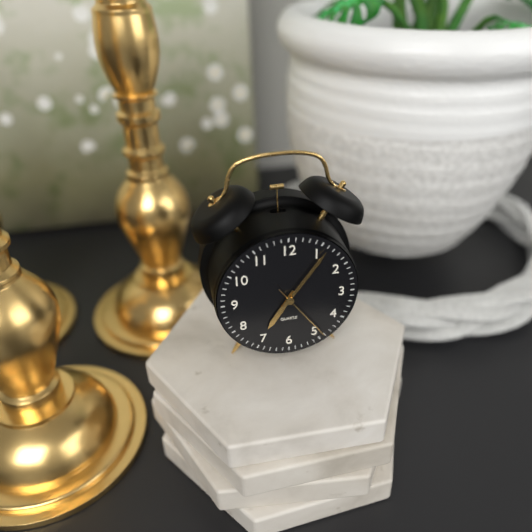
{"hour": 7, "minute": 6, "second": 24}
